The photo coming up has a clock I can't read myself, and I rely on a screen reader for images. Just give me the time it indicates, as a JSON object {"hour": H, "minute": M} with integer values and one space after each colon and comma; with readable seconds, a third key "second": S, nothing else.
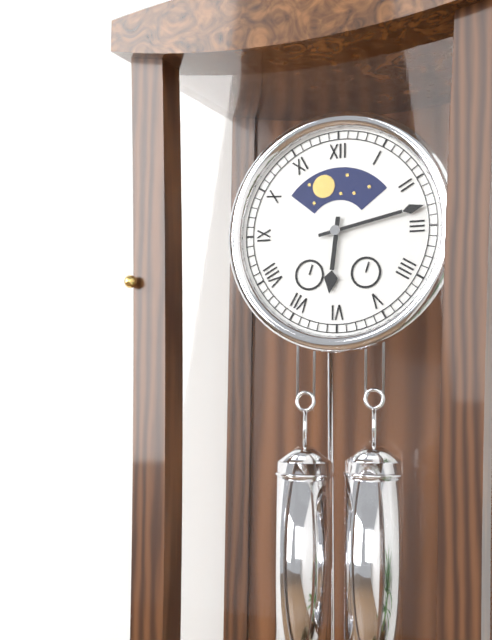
{"hour": 6, "minute": 13}
